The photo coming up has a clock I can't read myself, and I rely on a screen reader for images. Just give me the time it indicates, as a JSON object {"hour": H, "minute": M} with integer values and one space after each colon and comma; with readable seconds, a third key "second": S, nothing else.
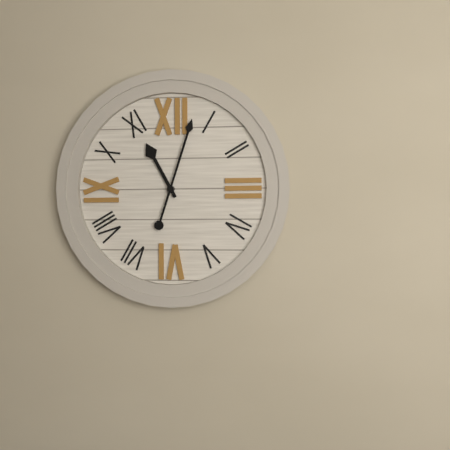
{"hour": 11, "minute": 3}
